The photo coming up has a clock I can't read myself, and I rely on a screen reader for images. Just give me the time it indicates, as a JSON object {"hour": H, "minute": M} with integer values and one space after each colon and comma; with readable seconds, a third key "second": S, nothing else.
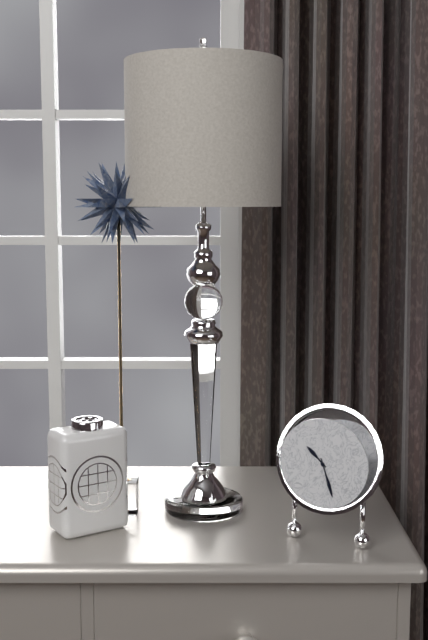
{"hour": 10, "minute": 27}
